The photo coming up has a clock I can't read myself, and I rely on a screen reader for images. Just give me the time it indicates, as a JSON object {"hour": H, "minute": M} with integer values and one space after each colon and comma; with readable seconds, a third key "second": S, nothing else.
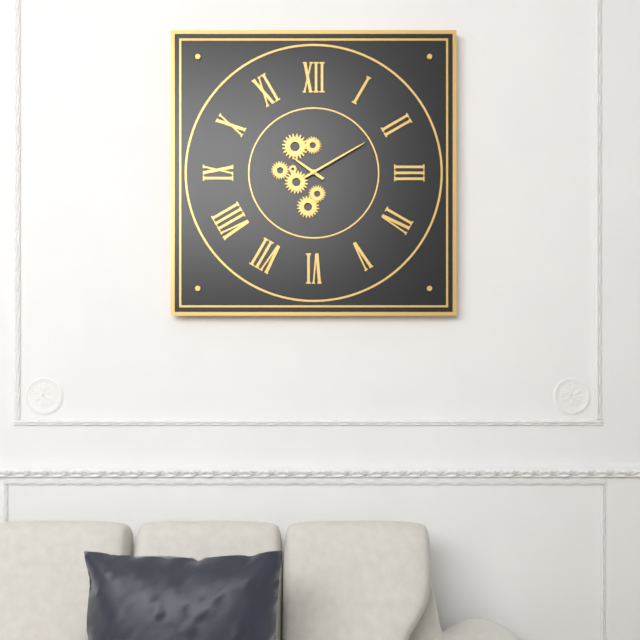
{"hour": 10, "minute": 10}
